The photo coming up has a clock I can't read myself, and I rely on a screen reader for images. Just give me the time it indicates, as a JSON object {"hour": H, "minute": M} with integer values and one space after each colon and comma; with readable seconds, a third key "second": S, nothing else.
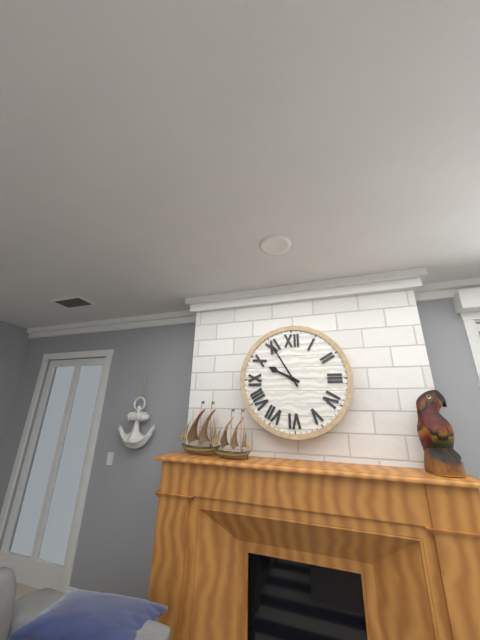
{"hour": 9, "minute": 55}
